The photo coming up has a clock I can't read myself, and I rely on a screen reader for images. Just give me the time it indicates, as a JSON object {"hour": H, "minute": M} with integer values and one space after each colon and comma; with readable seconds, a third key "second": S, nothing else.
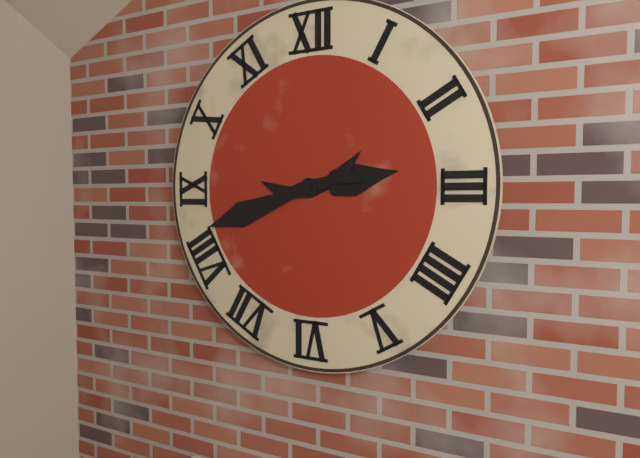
{"hour": 2, "minute": 42}
